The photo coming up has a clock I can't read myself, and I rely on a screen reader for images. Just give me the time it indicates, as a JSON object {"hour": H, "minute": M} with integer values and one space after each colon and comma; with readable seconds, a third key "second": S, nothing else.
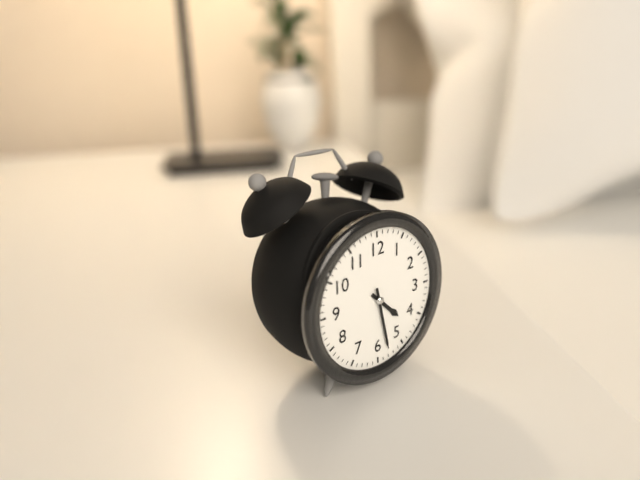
{"hour": 4, "minute": 28}
